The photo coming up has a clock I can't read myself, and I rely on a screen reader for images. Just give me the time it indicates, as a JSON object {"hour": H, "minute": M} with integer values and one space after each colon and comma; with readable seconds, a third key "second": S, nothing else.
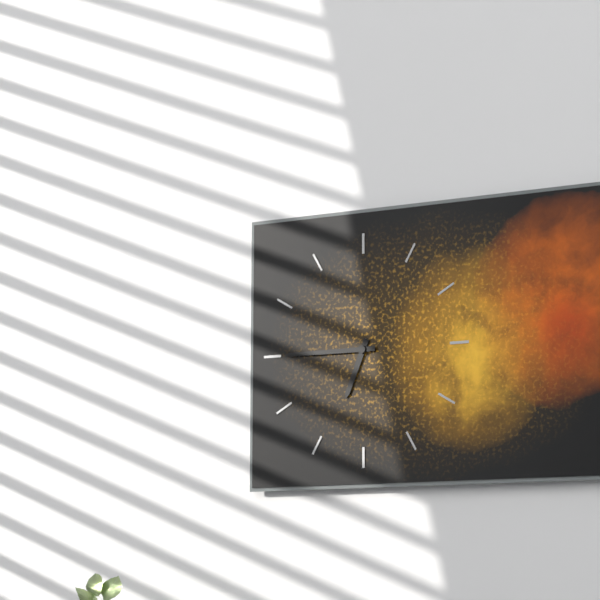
{"hour": 6, "minute": 45}
